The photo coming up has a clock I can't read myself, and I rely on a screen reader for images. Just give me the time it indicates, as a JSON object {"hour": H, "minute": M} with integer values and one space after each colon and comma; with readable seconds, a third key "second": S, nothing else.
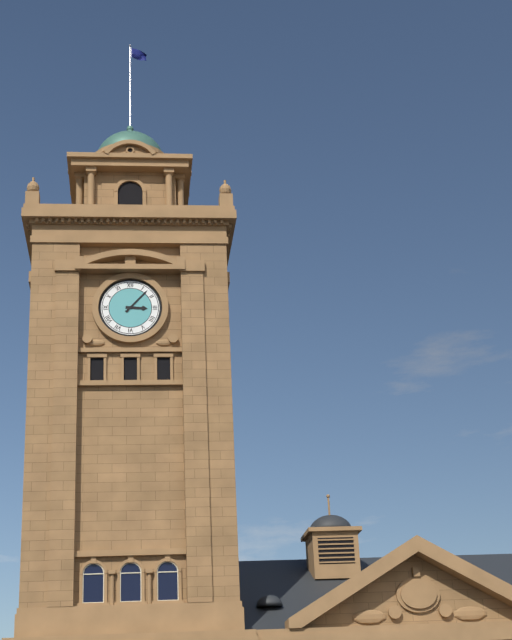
{"hour": 3, "minute": 7}
